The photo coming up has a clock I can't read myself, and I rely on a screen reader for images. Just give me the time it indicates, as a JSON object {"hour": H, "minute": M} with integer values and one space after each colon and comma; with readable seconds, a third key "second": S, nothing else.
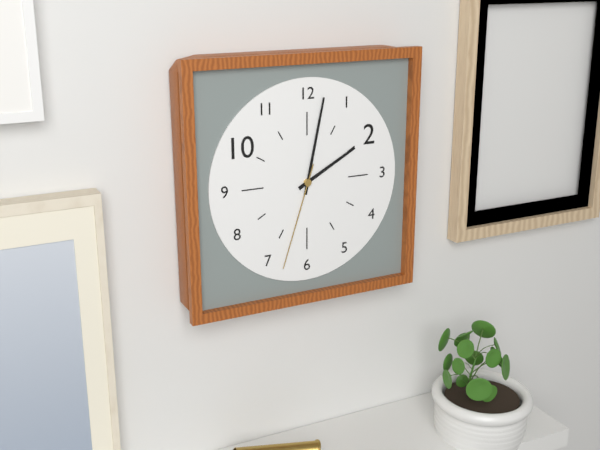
{"hour": 2, "minute": 2, "second": 33}
